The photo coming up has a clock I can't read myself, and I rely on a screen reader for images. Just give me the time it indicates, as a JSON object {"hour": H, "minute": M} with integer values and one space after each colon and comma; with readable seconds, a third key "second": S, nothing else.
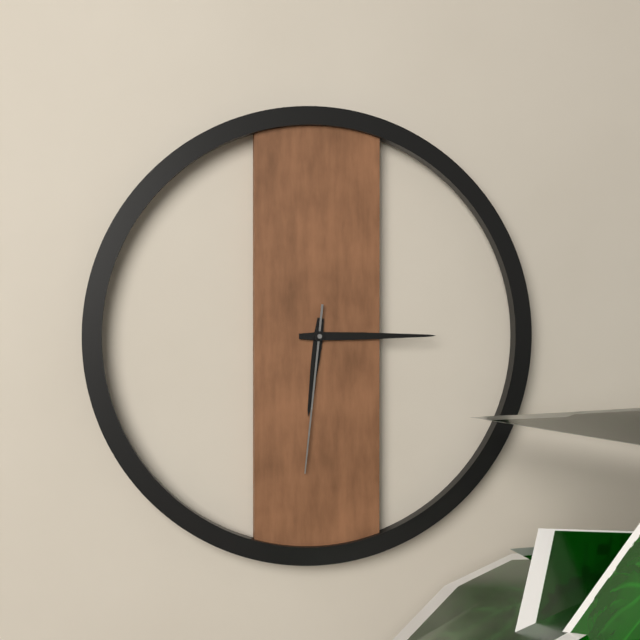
{"hour": 6, "minute": 15, "second": 31}
